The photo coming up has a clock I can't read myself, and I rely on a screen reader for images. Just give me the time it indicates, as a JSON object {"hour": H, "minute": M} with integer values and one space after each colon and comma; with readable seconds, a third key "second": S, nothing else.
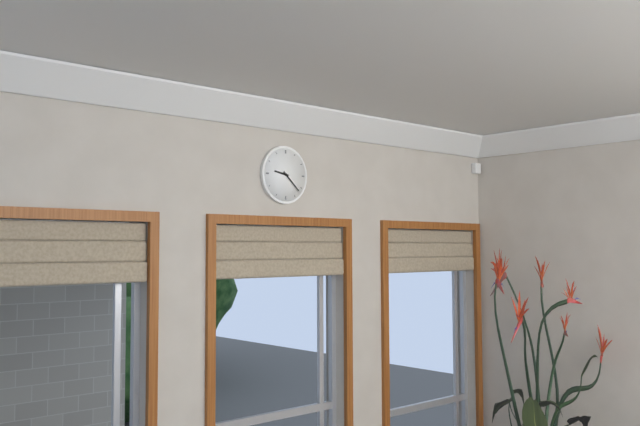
{"hour": 9, "minute": 22}
